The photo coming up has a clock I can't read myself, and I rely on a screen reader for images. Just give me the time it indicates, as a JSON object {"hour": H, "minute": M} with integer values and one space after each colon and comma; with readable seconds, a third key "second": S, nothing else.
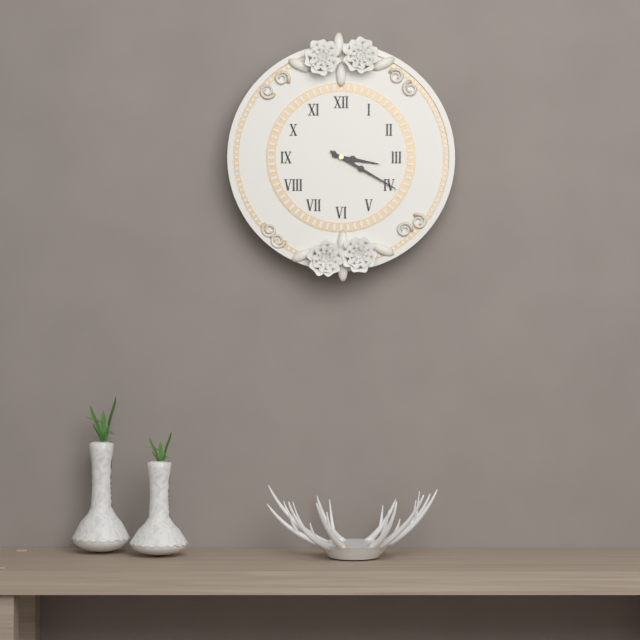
{"hour": 3, "minute": 20}
